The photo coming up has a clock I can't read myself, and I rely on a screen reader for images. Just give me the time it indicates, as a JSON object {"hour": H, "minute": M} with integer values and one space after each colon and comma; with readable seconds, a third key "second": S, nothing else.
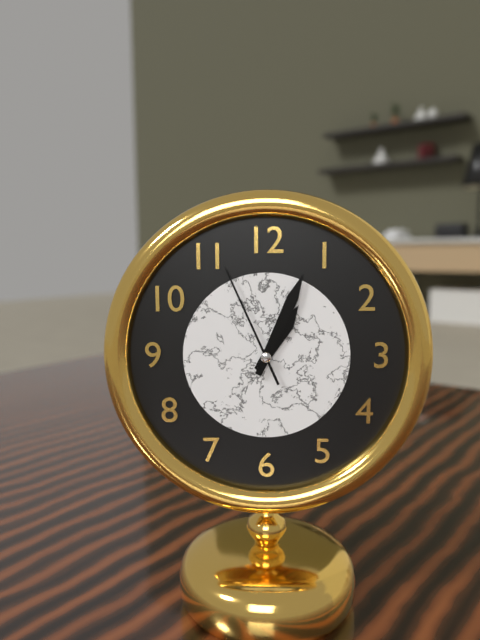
{"hour": 1, "minute": 4, "second": 56}
